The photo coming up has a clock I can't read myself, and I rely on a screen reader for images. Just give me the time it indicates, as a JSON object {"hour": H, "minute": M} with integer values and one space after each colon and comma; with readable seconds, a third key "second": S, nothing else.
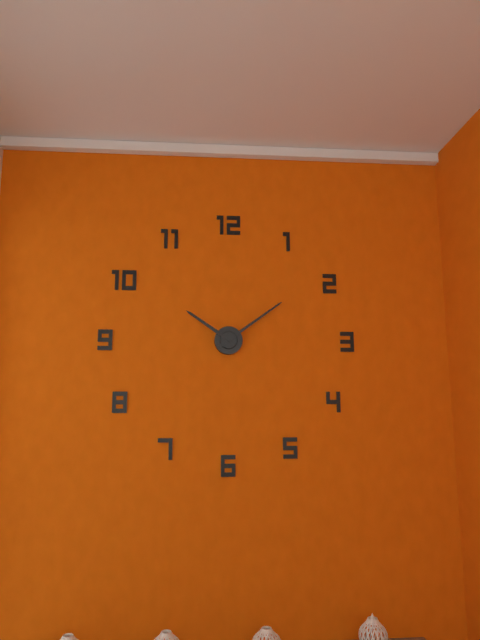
{"hour": 10, "minute": 9}
